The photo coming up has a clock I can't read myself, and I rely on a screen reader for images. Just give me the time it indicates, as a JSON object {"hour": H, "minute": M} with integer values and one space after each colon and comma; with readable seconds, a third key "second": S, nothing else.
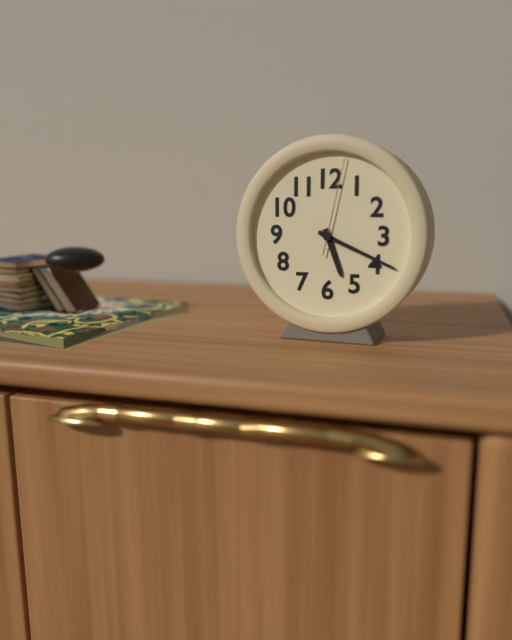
{"hour": 5, "minute": 19, "second": 2}
